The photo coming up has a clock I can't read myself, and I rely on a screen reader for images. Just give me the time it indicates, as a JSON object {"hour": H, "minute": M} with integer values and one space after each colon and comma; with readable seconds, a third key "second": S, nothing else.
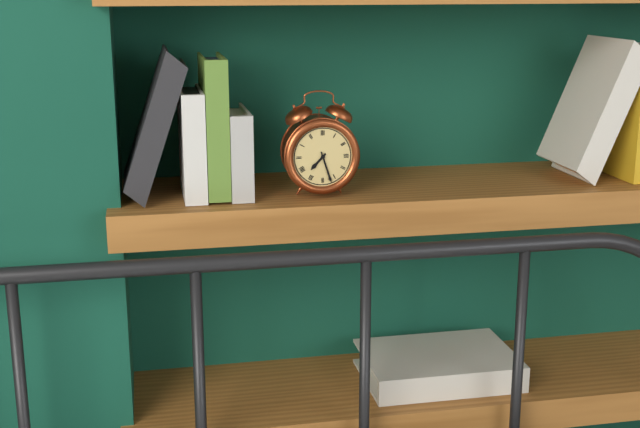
{"hour": 7, "minute": 27}
